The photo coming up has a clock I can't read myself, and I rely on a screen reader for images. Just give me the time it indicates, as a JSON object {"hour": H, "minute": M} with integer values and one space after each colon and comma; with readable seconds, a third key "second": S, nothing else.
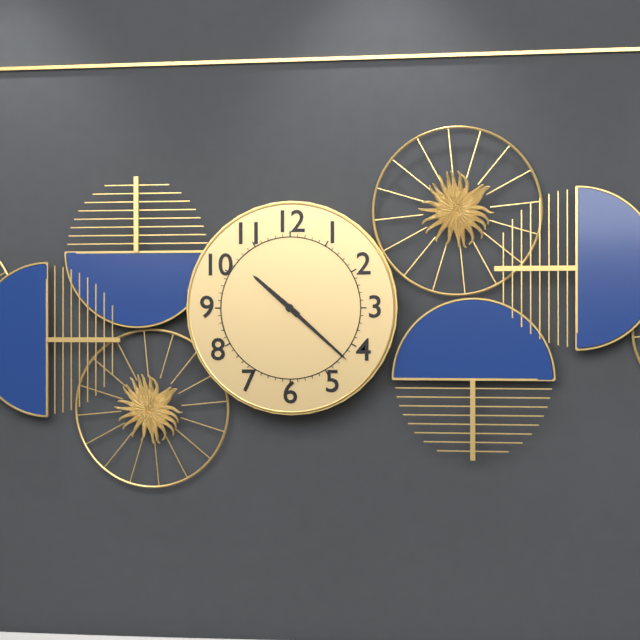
{"hour": 10, "minute": 22}
